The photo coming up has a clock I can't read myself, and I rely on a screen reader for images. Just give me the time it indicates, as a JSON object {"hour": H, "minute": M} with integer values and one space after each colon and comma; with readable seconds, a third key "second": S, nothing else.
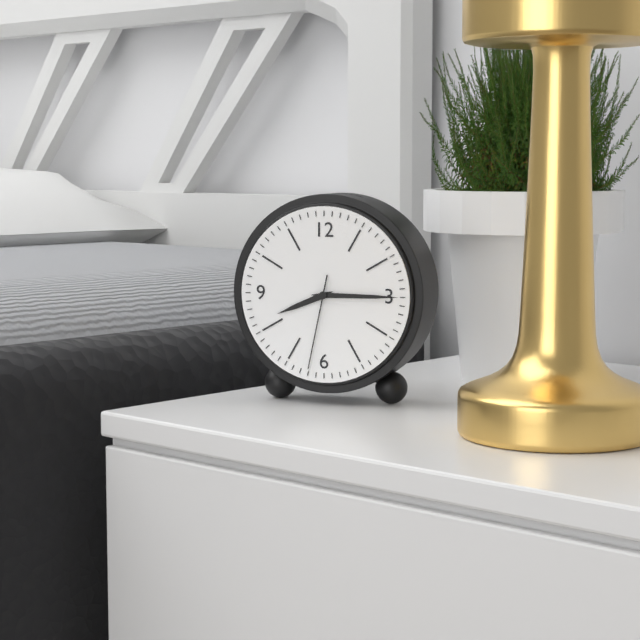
{"hour": 8, "minute": 15, "second": 32}
